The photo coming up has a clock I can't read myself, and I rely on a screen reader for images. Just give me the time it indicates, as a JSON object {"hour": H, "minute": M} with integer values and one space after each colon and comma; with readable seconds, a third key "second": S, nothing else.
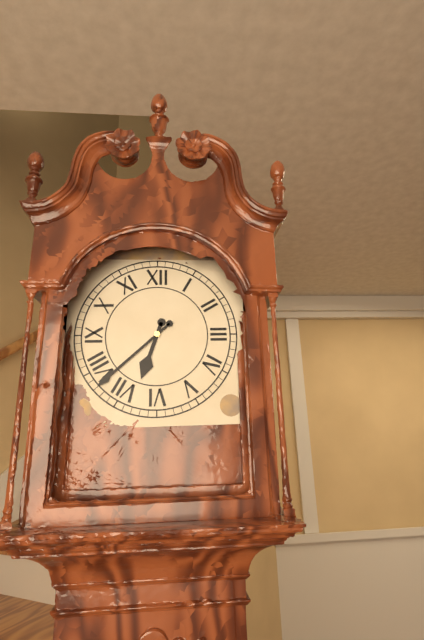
{"hour": 6, "minute": 38}
